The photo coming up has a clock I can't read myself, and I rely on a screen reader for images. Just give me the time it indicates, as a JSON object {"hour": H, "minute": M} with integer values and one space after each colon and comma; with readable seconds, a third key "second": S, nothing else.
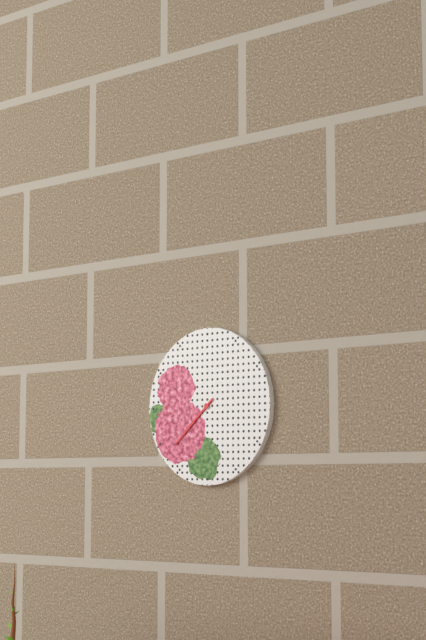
{"hour": 7, "minute": 38}
